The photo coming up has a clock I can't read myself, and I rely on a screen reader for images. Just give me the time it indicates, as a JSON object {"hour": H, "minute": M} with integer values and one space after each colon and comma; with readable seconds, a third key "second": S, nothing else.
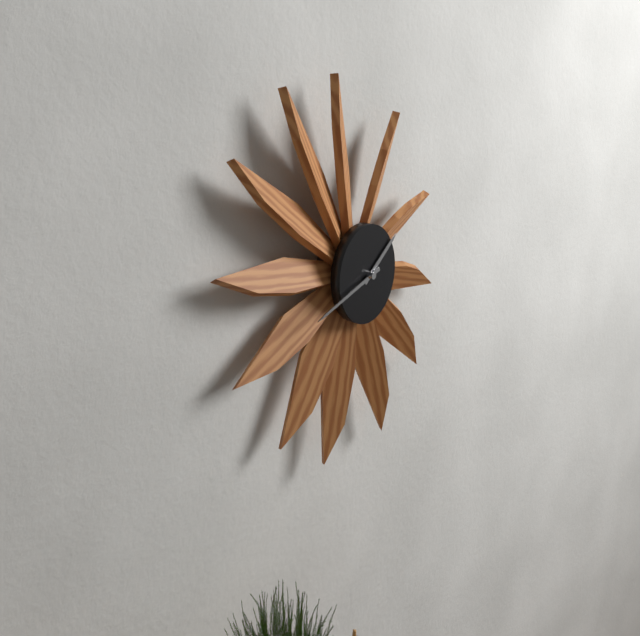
{"hour": 1, "minute": 42}
